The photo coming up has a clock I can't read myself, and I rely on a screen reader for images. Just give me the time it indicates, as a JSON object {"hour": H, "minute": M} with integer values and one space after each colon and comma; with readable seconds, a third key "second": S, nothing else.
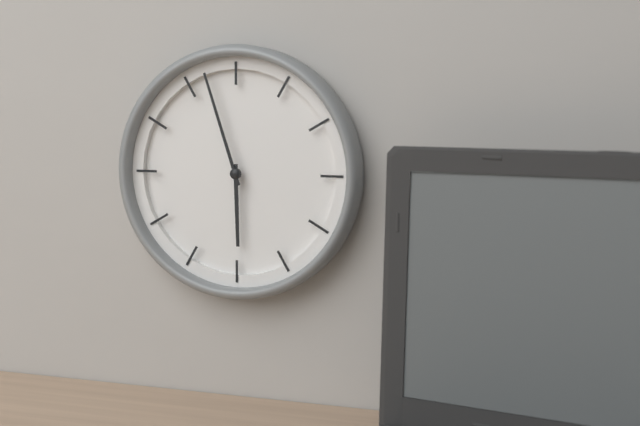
{"hour": 5, "minute": 57}
